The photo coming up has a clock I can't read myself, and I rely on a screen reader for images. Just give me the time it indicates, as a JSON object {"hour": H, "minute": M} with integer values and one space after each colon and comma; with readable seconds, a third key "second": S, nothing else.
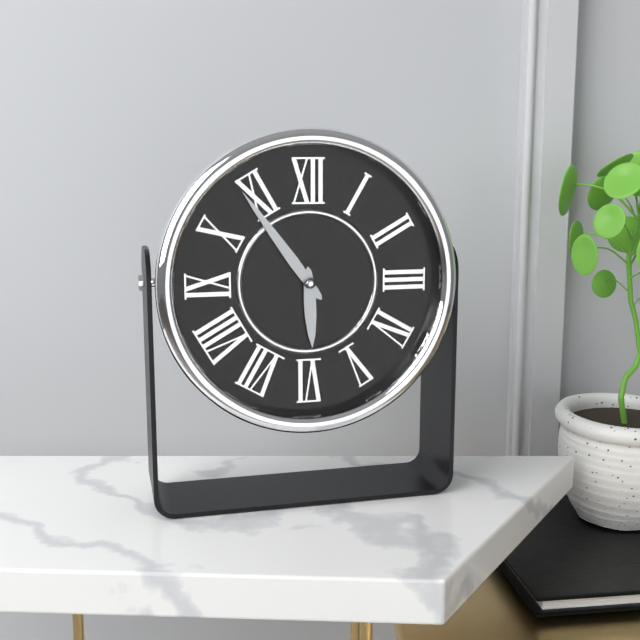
{"hour": 5, "minute": 54}
